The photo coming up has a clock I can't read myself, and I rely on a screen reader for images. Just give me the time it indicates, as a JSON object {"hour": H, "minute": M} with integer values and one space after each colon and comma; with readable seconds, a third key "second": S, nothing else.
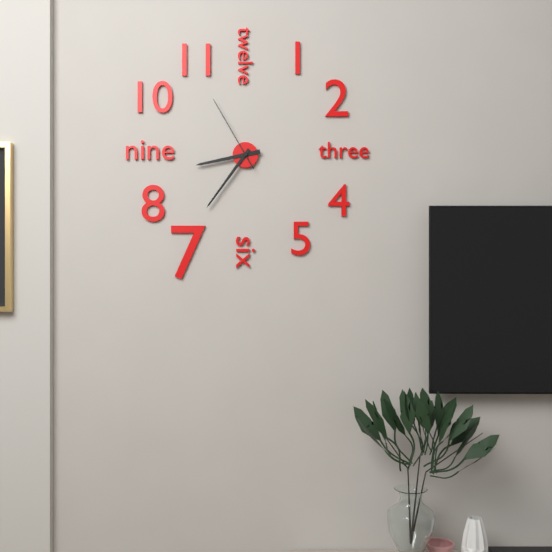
{"hour": 8, "minute": 36, "second": 55}
